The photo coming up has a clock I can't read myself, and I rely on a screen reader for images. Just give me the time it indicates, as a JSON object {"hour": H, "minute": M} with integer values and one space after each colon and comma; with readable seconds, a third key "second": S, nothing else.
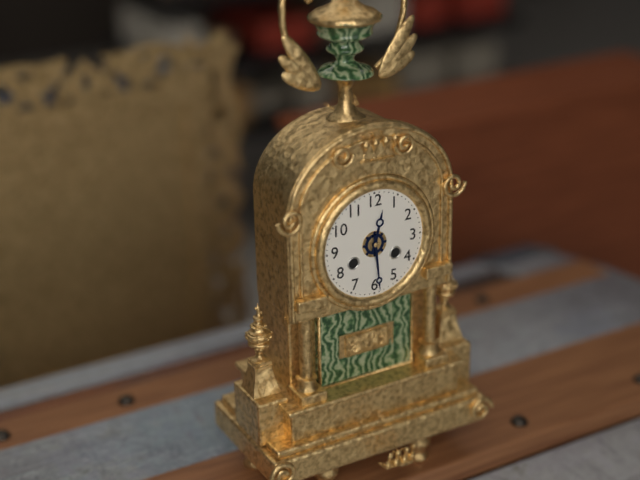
{"hour": 12, "minute": 29}
